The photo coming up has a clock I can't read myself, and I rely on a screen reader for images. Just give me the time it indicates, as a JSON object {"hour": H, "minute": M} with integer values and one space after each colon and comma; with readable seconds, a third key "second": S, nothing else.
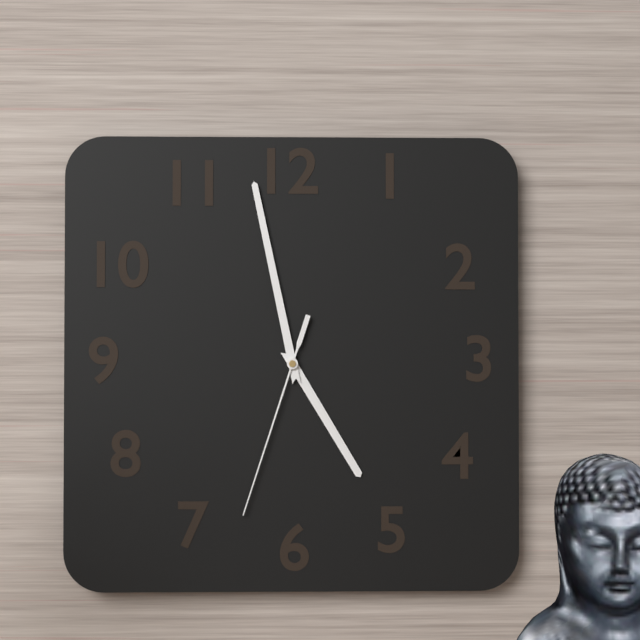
{"hour": 4, "minute": 58, "second": 33}
